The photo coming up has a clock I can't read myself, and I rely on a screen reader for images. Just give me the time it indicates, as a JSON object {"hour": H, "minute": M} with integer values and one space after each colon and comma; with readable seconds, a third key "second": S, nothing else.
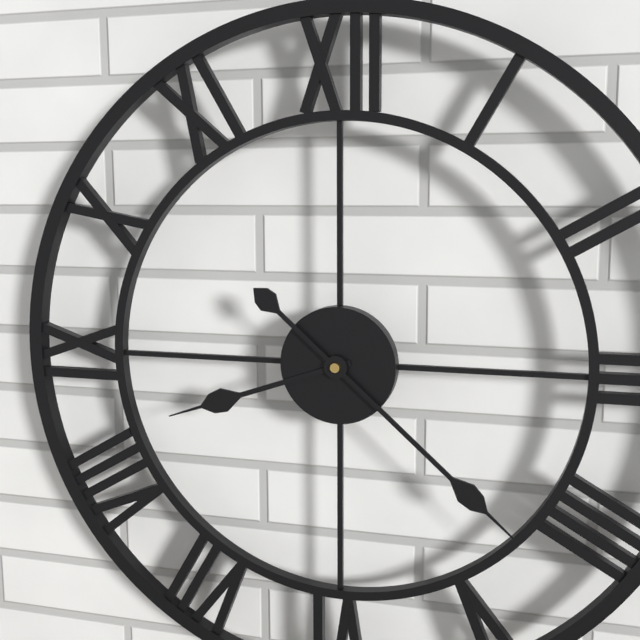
{"hour": 8, "minute": 22}
